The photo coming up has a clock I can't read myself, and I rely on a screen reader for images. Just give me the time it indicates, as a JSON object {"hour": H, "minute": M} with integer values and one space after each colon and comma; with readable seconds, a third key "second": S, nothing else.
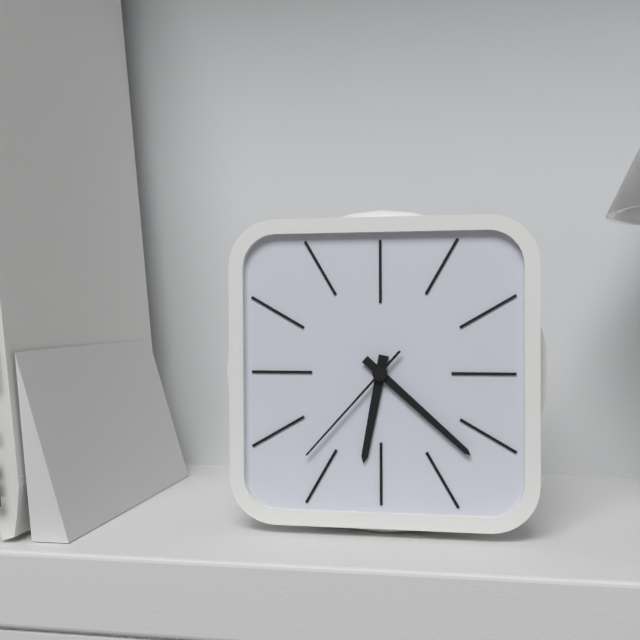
{"hour": 6, "minute": 22, "second": 37}
